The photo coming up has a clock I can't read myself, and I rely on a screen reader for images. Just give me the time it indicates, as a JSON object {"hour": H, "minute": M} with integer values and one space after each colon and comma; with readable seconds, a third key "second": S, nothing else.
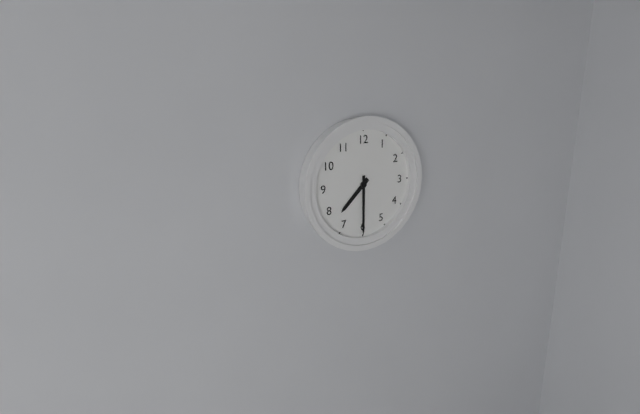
{"hour": 7, "minute": 30}
